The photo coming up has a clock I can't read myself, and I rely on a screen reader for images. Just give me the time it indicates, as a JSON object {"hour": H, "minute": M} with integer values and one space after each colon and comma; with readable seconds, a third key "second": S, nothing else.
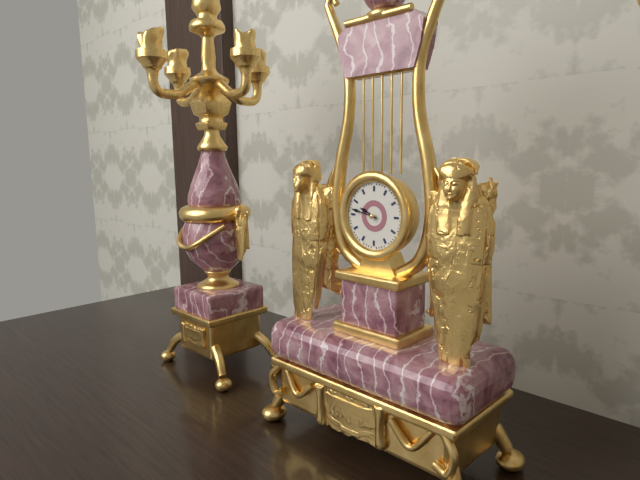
{"hour": 9, "minute": 47}
